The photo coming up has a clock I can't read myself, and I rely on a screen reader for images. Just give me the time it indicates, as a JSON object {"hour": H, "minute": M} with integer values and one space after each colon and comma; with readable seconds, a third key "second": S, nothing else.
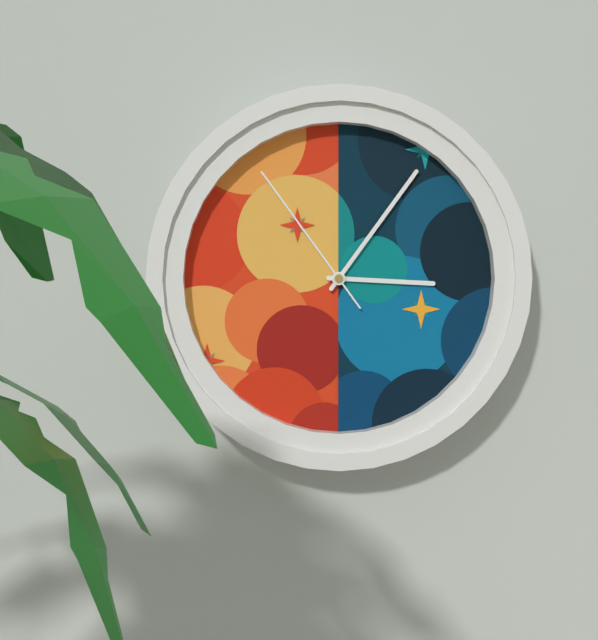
{"hour": 3, "minute": 6, "second": 54}
